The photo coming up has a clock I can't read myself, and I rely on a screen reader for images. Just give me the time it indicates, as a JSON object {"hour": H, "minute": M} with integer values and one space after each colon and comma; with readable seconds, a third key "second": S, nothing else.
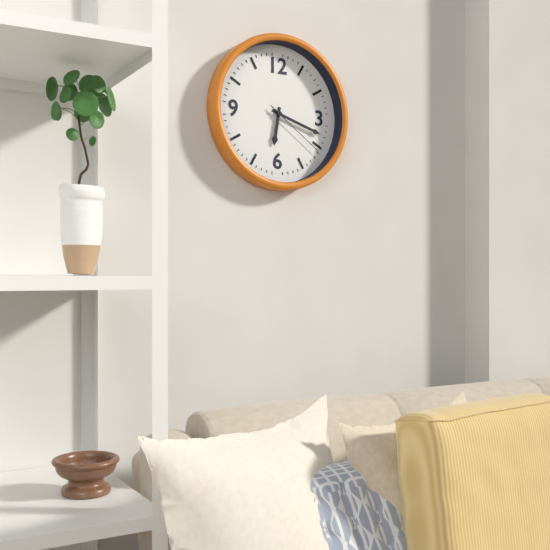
{"hour": 6, "minute": 18, "second": 21}
